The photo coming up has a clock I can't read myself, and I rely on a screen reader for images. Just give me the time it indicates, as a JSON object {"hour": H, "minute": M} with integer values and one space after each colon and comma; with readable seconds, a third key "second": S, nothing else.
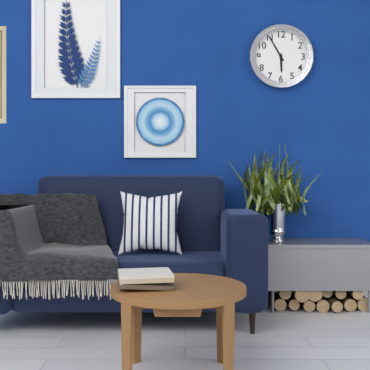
{"hour": 5, "minute": 55}
